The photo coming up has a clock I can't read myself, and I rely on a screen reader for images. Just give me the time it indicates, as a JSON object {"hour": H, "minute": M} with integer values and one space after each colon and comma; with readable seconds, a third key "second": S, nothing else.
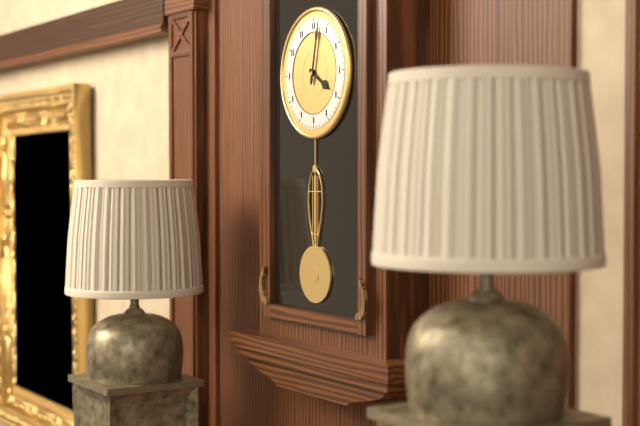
{"hour": 4, "minute": 2}
